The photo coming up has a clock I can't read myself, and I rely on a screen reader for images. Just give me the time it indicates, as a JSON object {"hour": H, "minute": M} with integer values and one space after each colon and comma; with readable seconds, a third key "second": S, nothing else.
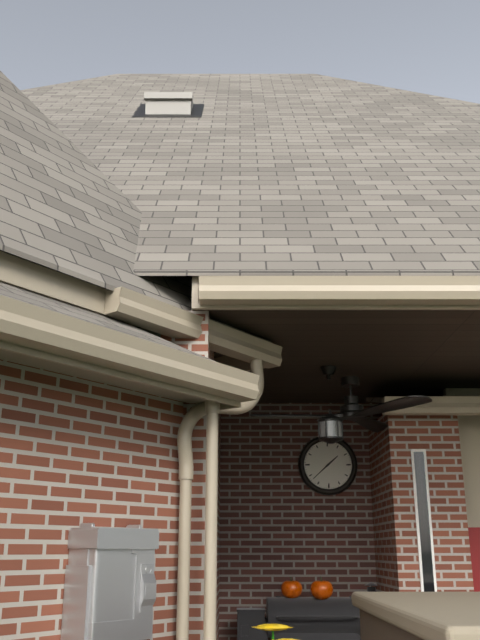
{"hour": 1, "minute": 38}
